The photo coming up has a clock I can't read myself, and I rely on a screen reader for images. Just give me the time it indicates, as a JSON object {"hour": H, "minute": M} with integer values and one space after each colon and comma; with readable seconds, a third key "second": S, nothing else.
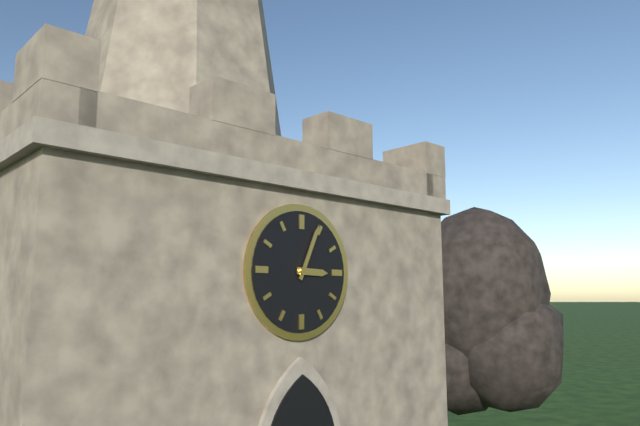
{"hour": 3, "minute": 4}
